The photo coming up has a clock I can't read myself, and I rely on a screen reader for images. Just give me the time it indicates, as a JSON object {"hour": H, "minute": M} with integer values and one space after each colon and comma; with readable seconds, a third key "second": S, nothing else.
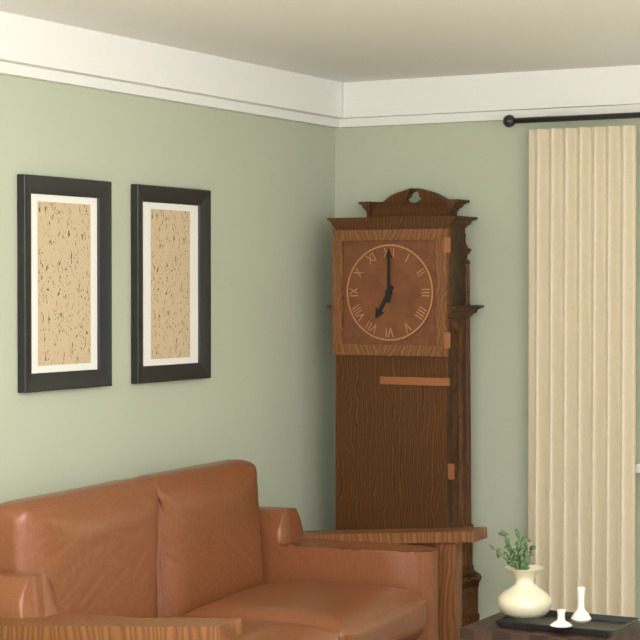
{"hour": 7, "minute": 0}
